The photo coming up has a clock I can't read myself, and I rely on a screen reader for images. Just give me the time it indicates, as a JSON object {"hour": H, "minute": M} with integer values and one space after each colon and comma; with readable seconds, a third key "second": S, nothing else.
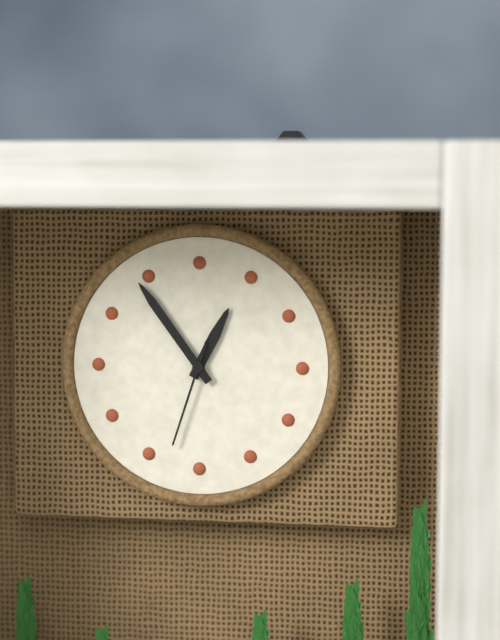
{"hour": 12, "minute": 54, "second": 33}
